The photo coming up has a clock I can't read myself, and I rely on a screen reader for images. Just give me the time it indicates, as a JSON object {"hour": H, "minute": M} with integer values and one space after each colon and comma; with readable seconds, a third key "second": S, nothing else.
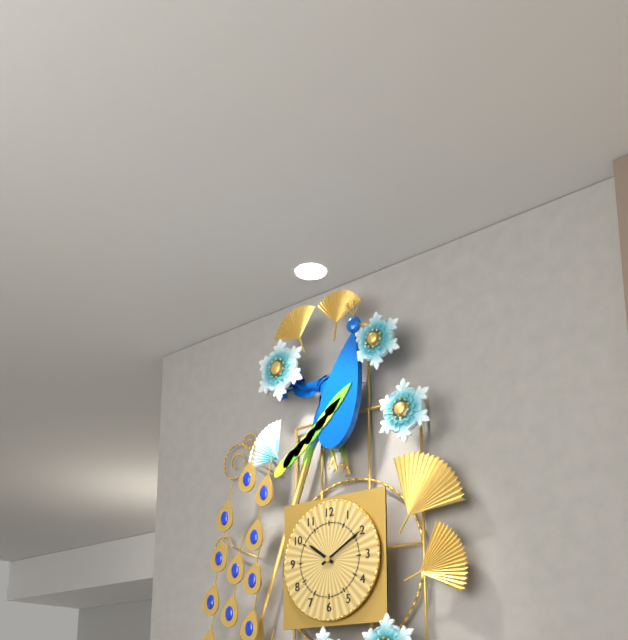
{"hour": 10, "minute": 10}
